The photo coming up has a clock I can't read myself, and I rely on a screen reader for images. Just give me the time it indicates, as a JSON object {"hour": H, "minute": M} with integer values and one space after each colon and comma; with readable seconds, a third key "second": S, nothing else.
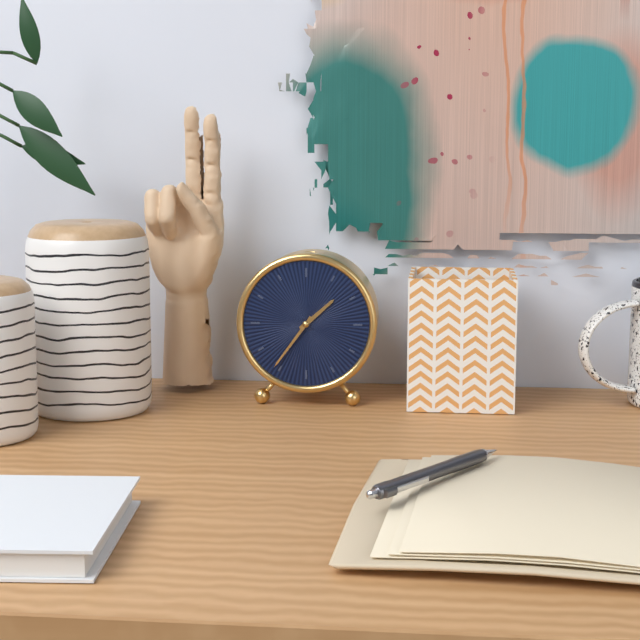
{"hour": 1, "minute": 36}
